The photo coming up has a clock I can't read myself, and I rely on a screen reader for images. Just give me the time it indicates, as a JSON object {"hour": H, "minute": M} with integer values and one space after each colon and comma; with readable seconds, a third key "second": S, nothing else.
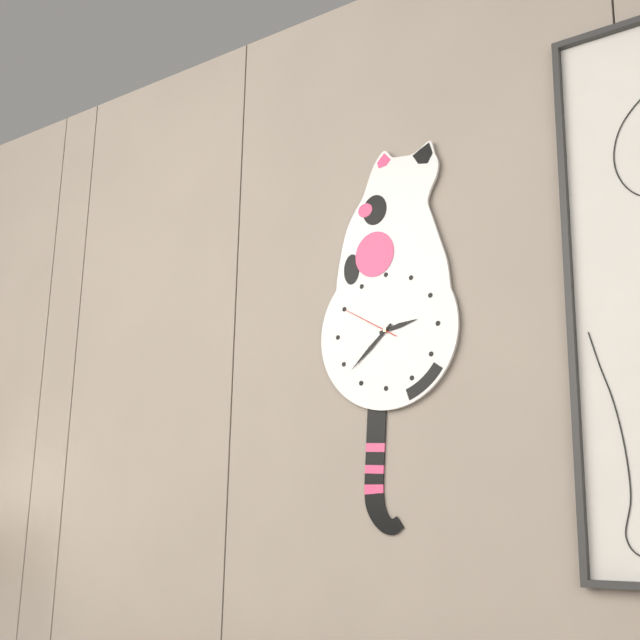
{"hour": 2, "minute": 38, "second": 50}
